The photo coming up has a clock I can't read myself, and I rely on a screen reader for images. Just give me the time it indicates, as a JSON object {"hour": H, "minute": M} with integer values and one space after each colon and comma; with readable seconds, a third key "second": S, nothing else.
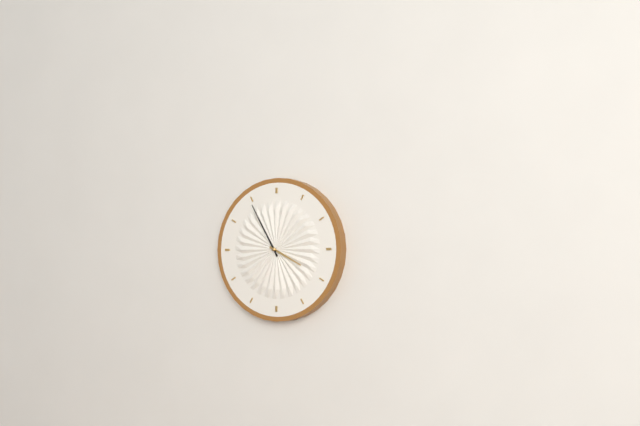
{"hour": 3, "minute": 55}
